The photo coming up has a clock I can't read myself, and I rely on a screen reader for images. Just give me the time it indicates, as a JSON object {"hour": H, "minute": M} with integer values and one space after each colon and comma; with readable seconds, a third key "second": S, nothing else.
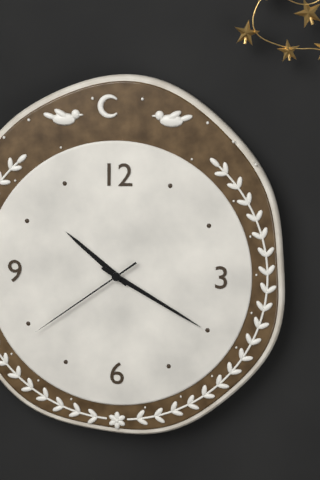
{"hour": 10, "minute": 20, "second": 39}
